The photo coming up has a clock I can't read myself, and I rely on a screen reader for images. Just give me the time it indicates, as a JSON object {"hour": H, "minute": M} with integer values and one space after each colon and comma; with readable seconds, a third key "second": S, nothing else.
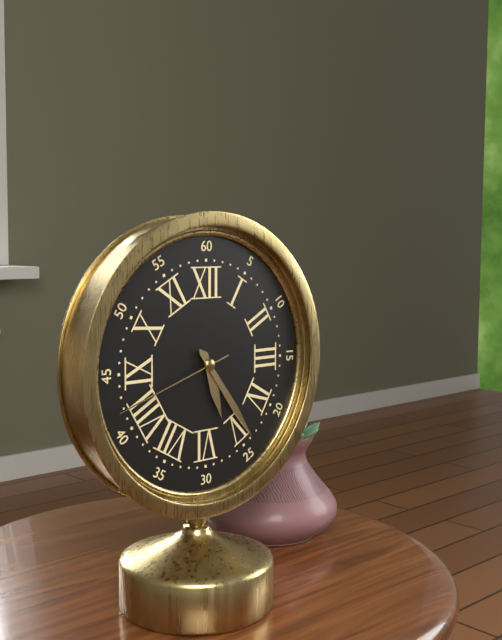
{"hour": 5, "minute": 24, "second": 42}
